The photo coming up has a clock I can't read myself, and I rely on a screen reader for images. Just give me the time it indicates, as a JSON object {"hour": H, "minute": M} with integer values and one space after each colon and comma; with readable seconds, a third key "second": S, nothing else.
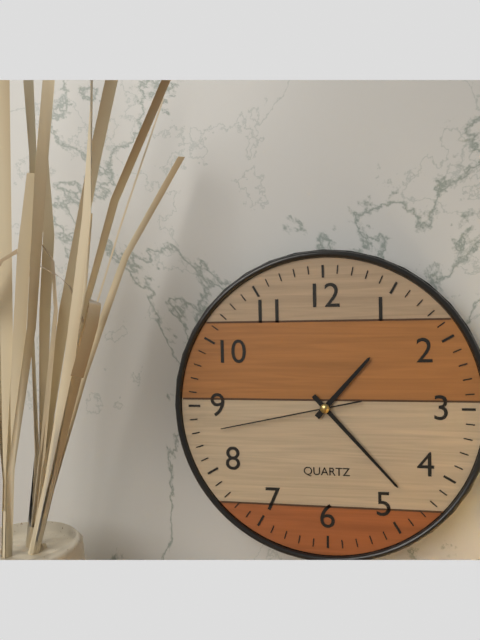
{"hour": 1, "minute": 23, "second": 43}
